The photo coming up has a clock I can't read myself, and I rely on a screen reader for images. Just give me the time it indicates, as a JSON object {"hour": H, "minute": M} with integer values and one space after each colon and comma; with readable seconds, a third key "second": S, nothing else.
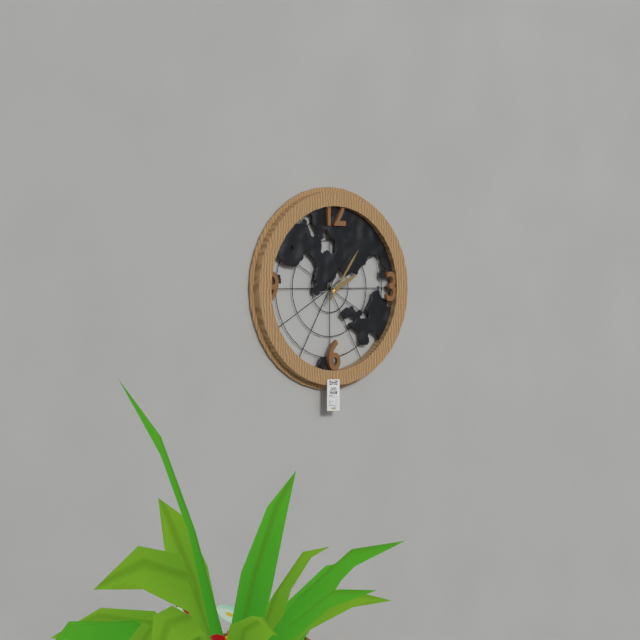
{"hour": 2, "minute": 6}
